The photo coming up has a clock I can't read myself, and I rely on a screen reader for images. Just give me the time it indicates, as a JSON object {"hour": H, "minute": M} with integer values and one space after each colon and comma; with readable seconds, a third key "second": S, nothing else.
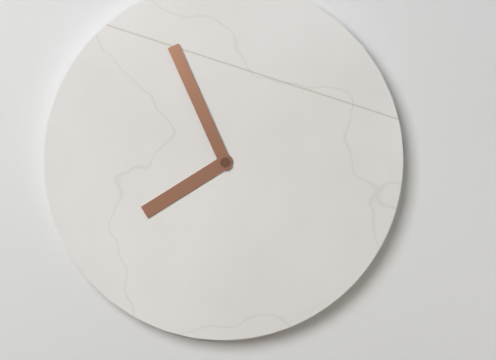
{"hour": 7, "minute": 56}
